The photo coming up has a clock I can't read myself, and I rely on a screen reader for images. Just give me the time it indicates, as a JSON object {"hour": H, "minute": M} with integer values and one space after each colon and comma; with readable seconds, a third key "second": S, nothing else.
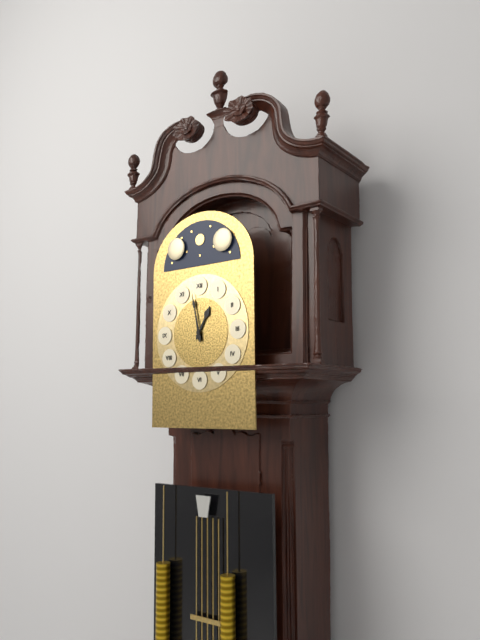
{"hour": 12, "minute": 58}
